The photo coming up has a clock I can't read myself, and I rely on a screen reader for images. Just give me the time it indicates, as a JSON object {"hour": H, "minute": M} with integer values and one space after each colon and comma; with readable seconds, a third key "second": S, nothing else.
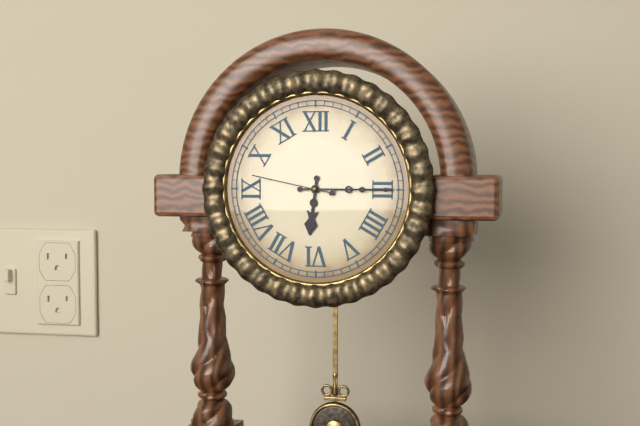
{"hour": 6, "minute": 15, "second": 47}
